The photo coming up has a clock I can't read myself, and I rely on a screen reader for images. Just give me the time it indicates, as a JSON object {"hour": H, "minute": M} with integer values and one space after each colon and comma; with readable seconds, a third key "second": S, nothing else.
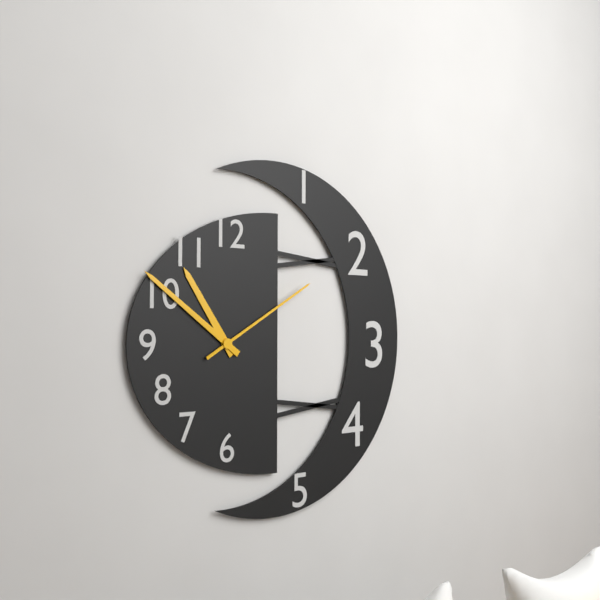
{"hour": 10, "minute": 51, "second": 10}
